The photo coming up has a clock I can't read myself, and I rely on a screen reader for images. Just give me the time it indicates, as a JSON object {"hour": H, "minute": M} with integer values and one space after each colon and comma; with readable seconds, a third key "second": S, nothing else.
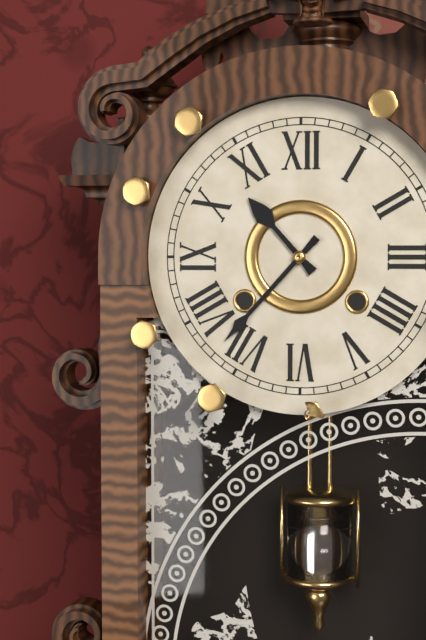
{"hour": 10, "minute": 37}
